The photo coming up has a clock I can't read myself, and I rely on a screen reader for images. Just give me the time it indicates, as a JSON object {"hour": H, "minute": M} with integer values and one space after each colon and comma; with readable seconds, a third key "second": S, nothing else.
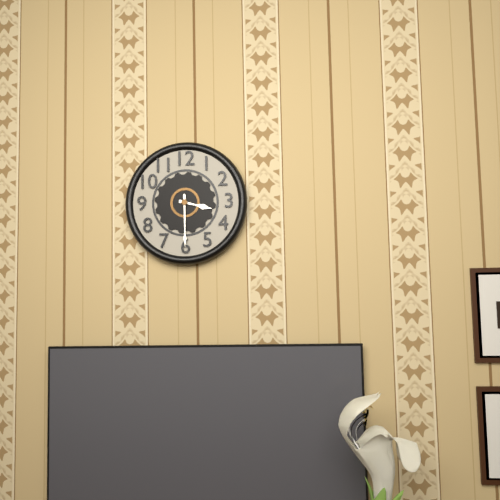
{"hour": 3, "minute": 30}
